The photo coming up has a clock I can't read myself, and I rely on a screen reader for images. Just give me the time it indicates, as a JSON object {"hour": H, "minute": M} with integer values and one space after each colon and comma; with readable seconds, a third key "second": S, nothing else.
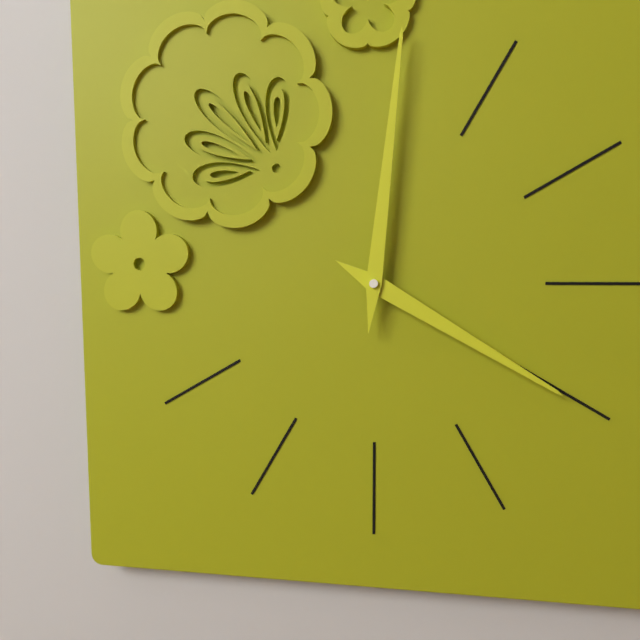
{"hour": 4, "minute": 1}
